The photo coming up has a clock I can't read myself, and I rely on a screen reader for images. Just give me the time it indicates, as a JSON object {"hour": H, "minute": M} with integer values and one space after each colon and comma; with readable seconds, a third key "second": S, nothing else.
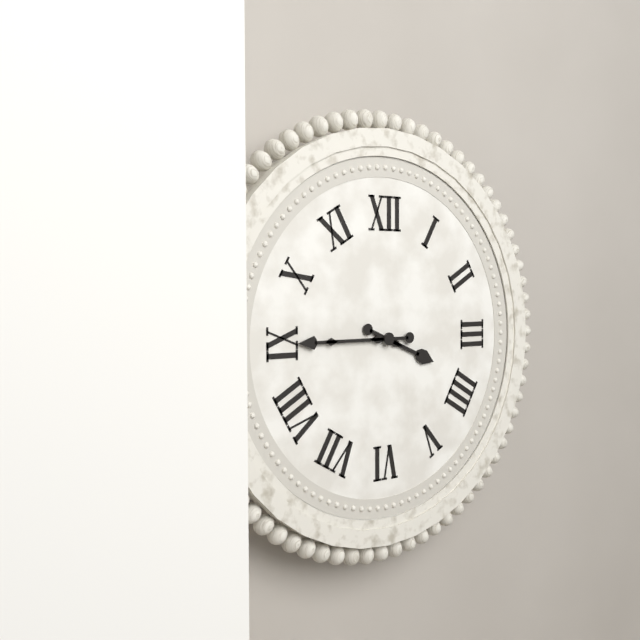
{"hour": 3, "minute": 45}
